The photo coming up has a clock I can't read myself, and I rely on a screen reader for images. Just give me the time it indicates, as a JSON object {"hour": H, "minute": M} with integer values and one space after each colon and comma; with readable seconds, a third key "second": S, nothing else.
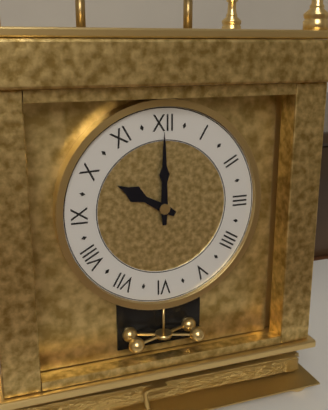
{"hour": 10, "minute": 0}
